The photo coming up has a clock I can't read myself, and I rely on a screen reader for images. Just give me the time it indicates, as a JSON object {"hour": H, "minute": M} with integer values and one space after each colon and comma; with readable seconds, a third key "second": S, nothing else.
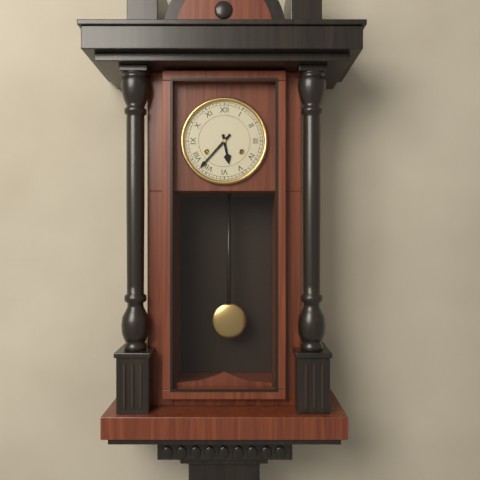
{"hour": 5, "minute": 37}
